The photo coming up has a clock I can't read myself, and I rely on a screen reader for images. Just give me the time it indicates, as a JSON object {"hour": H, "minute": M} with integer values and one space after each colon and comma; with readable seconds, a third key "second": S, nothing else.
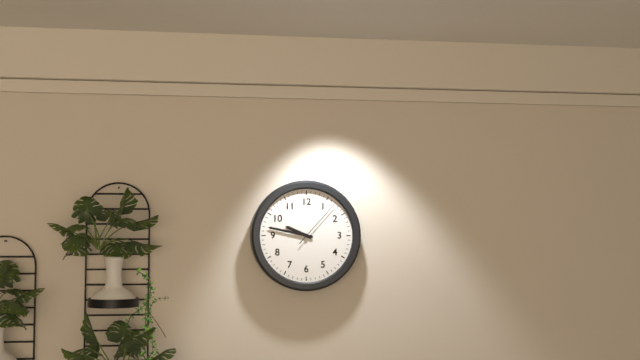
{"hour": 9, "minute": 47, "second": 7}
